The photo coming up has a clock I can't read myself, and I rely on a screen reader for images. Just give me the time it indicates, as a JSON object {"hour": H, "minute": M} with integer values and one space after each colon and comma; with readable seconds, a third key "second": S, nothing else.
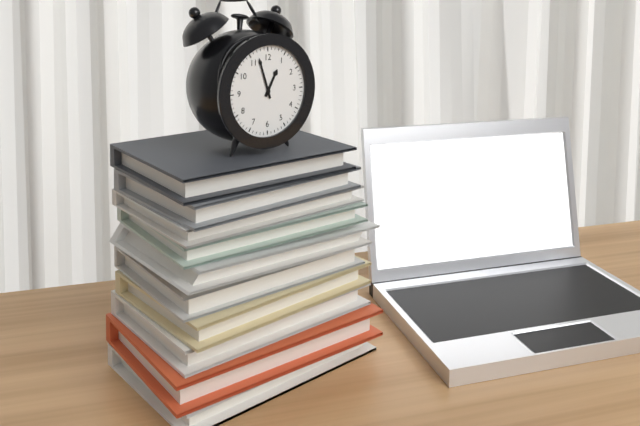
{"hour": 12, "minute": 57}
